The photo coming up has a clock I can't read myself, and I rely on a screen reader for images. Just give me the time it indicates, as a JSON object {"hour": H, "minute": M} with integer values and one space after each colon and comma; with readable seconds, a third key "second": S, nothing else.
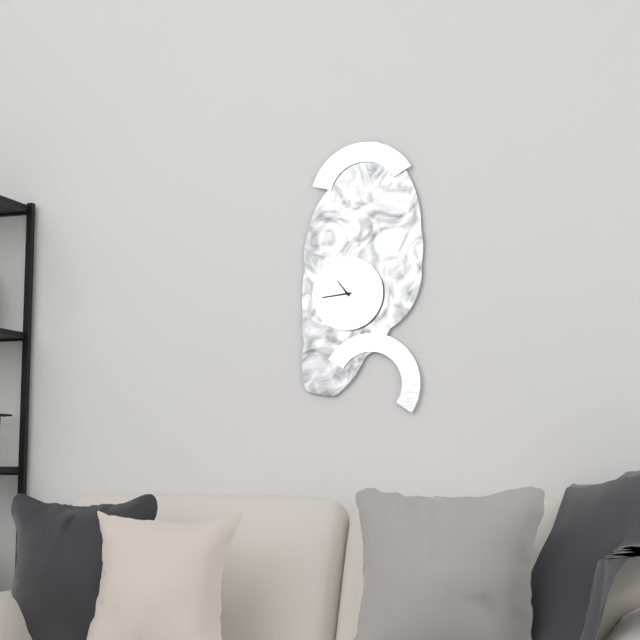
{"hour": 10, "minute": 44}
